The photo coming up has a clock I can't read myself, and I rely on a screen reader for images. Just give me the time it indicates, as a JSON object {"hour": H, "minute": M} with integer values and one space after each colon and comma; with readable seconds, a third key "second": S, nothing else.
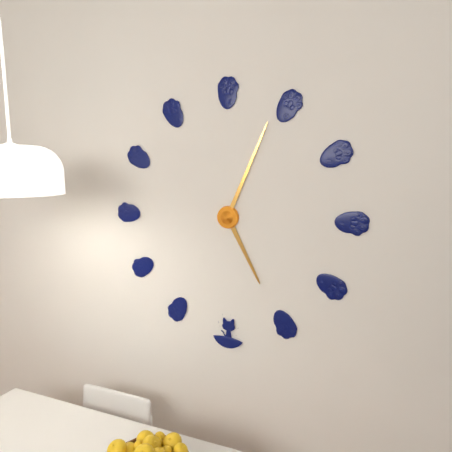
{"hour": 5, "minute": 4}
